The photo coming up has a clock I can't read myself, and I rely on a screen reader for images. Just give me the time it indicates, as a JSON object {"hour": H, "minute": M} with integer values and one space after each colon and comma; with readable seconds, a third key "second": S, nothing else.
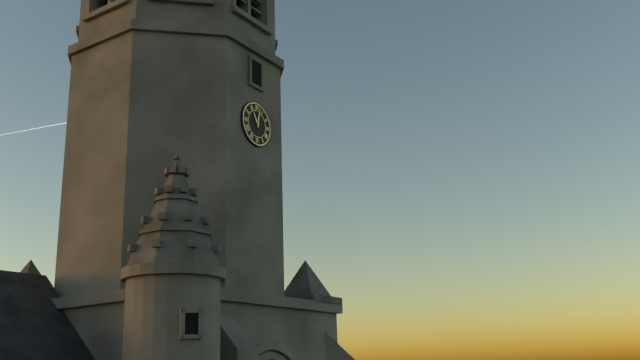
{"hour": 11, "minute": 2}
